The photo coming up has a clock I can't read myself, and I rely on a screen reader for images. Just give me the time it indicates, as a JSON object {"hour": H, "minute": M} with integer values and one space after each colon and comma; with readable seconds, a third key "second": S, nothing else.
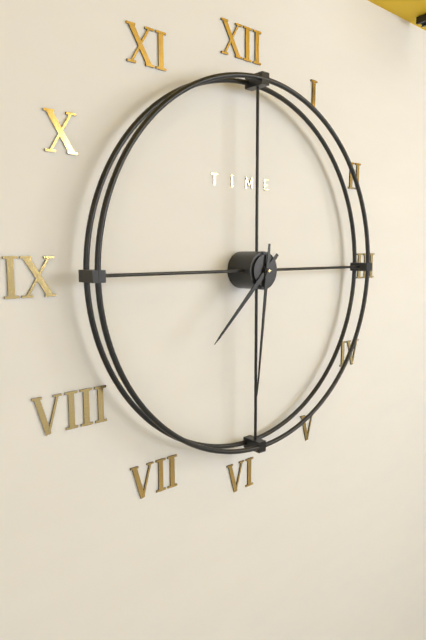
{"hour": 7, "minute": 31}
